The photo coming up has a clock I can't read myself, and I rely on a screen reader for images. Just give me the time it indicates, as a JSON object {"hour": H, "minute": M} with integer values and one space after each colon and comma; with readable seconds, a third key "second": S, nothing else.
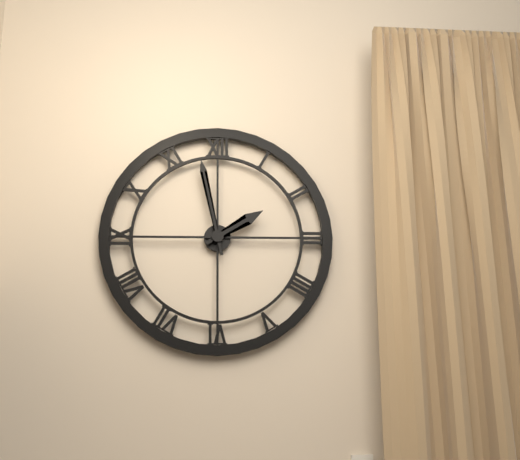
{"hour": 1, "minute": 58}
